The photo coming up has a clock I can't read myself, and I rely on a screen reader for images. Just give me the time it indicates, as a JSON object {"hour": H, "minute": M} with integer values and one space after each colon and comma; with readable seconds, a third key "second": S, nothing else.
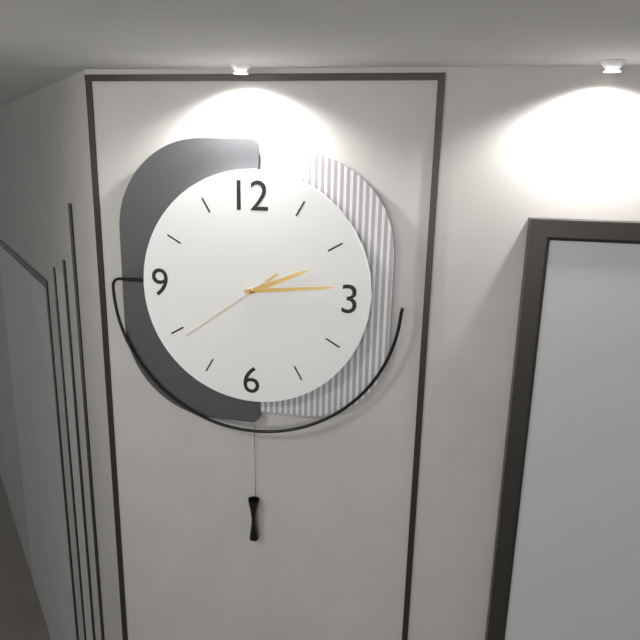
{"hour": 2, "minute": 14, "second": 39}
